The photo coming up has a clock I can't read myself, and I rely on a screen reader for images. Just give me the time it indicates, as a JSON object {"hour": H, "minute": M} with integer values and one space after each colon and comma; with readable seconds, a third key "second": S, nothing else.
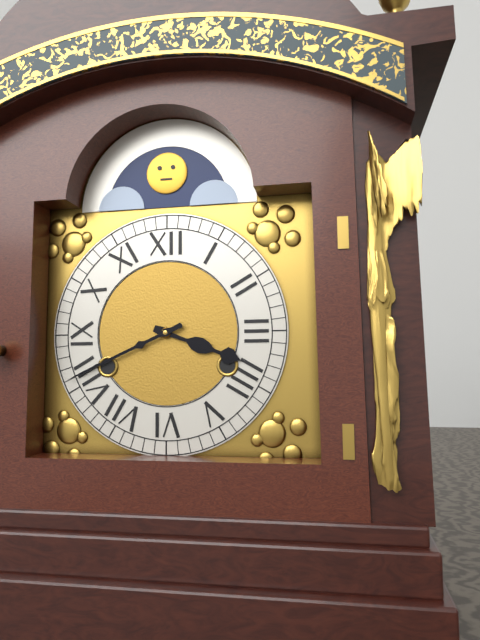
{"hour": 3, "minute": 41}
